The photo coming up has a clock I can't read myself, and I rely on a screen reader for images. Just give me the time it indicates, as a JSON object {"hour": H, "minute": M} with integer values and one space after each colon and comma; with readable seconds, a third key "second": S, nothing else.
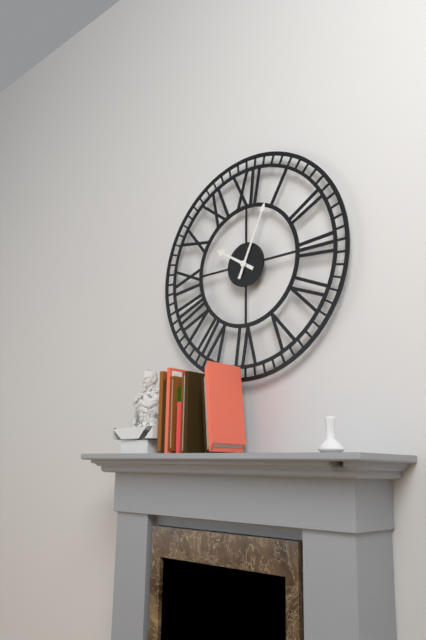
{"hour": 10, "minute": 4}
